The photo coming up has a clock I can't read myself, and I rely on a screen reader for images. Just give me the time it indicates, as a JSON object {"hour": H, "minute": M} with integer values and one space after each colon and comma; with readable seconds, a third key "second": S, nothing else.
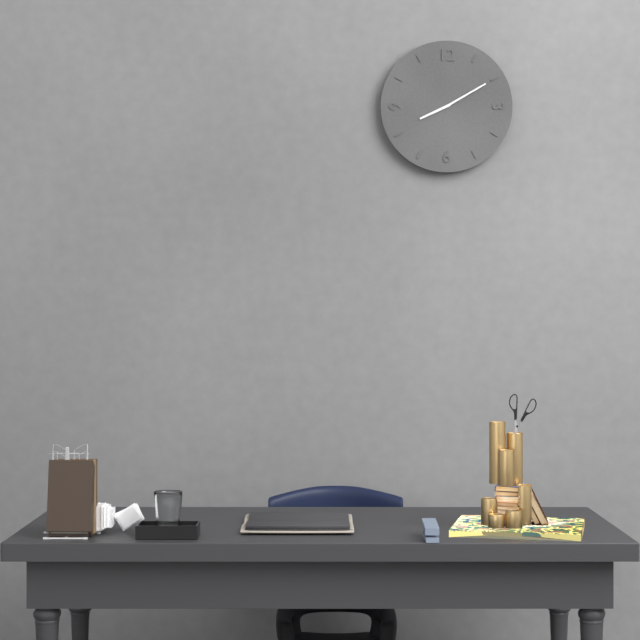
{"hour": 8, "minute": 10}
